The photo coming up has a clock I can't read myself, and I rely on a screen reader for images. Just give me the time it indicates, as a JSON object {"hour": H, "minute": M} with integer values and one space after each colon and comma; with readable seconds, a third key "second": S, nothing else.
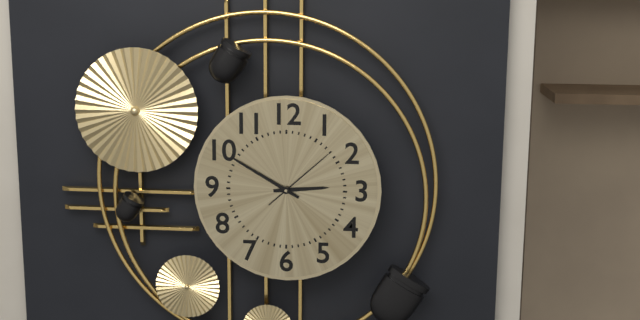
{"hour": 2, "minute": 50, "second": 8}
